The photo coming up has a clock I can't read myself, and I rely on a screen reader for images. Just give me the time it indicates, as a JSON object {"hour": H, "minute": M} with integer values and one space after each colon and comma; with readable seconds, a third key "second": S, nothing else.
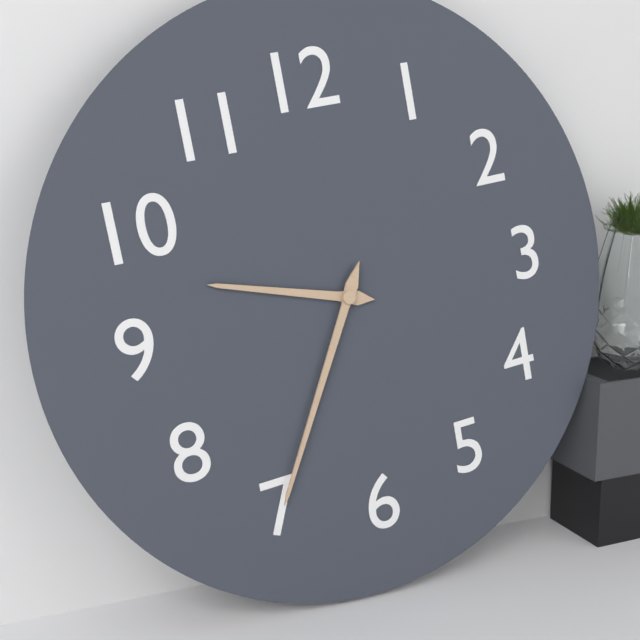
{"hour": 9, "minute": 35}
